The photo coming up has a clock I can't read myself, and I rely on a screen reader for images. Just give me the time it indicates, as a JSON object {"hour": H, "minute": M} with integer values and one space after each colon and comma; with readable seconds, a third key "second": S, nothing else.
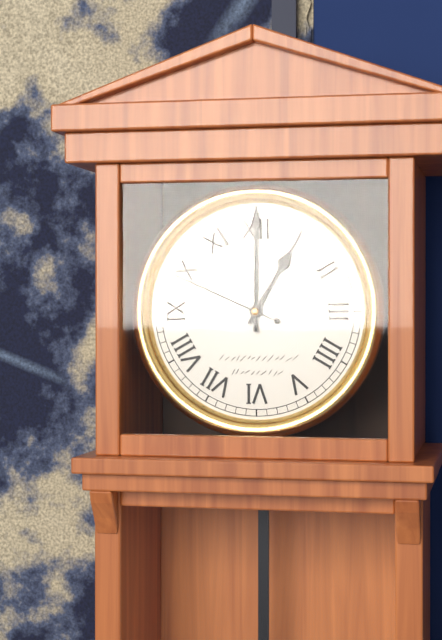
{"hour": 1, "minute": 0, "second": 49}
